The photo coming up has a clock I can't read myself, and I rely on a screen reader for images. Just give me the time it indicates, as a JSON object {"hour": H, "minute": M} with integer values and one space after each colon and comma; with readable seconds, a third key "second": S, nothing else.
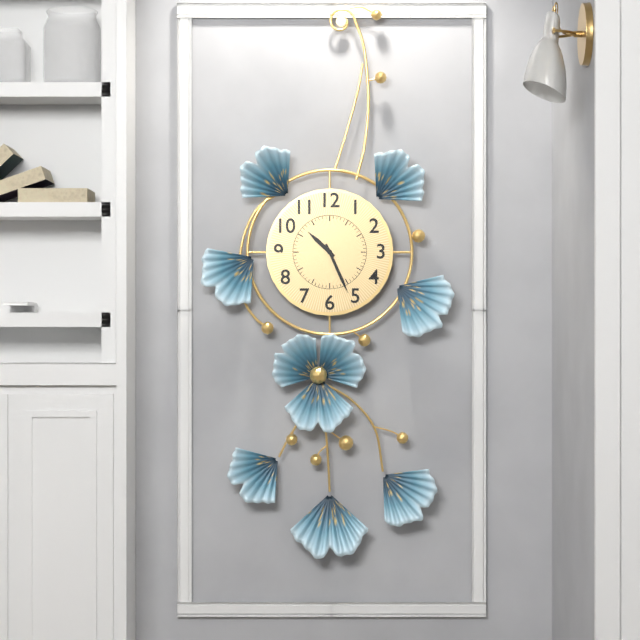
{"hour": 10, "minute": 26}
